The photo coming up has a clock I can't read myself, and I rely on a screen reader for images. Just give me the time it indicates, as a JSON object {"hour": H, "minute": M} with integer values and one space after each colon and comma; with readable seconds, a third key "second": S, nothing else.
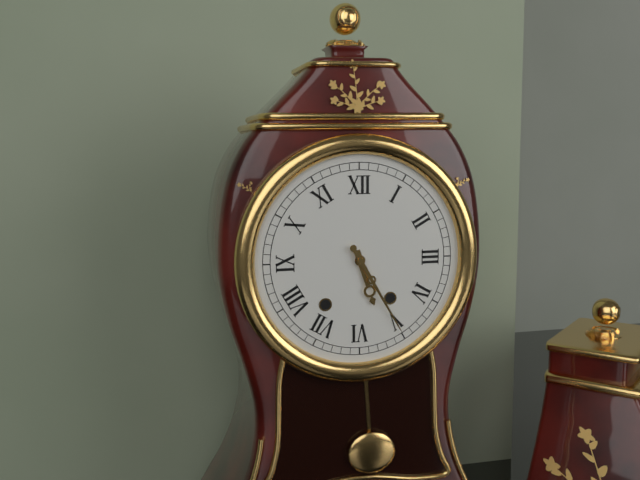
{"hour": 5, "minute": 25}
